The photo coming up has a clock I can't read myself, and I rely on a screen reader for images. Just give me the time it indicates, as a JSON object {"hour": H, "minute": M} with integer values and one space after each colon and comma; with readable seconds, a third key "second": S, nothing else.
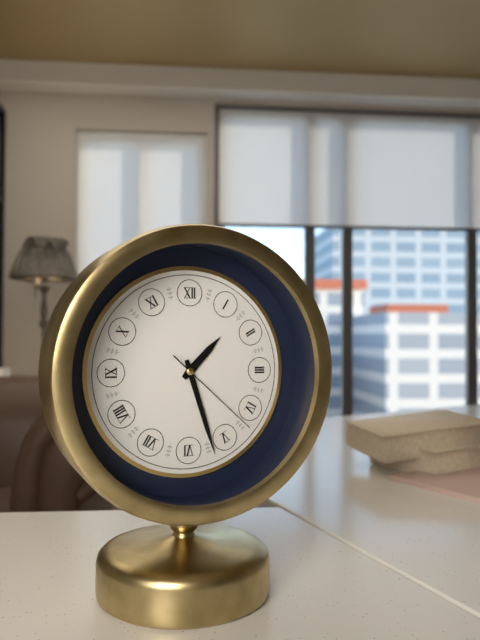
{"hour": 1, "minute": 27, "second": 22}
